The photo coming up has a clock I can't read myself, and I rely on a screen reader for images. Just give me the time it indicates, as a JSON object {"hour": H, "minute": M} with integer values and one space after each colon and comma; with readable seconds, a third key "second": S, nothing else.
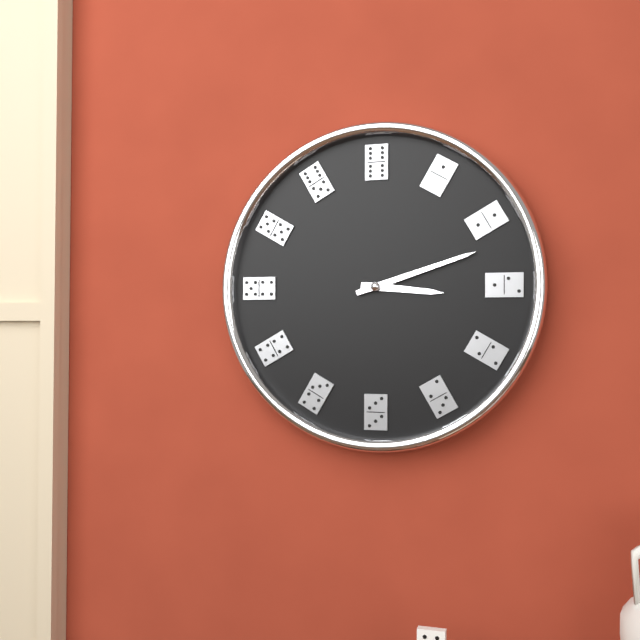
{"hour": 3, "minute": 12}
